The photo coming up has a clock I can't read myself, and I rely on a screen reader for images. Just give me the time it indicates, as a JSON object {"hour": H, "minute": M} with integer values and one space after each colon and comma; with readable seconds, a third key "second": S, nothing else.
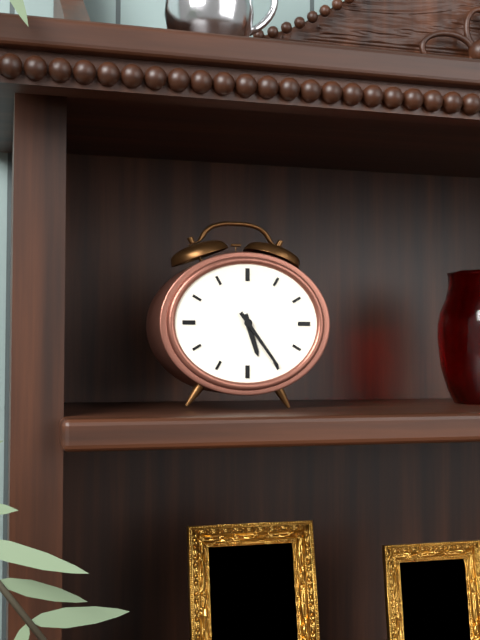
{"hour": 5, "minute": 24}
